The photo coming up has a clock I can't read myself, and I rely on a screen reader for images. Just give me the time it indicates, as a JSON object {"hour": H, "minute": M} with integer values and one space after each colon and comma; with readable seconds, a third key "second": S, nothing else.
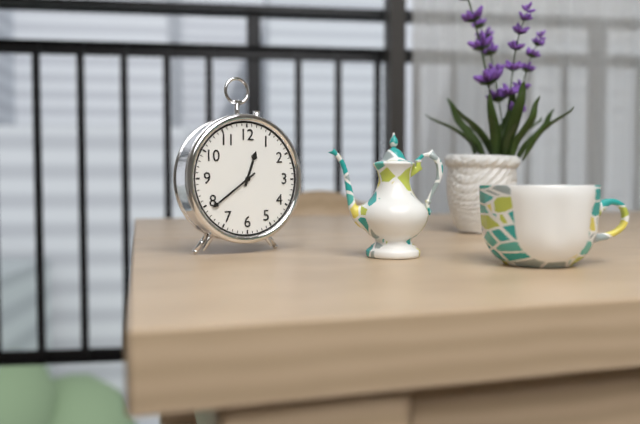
{"hour": 12, "minute": 39}
